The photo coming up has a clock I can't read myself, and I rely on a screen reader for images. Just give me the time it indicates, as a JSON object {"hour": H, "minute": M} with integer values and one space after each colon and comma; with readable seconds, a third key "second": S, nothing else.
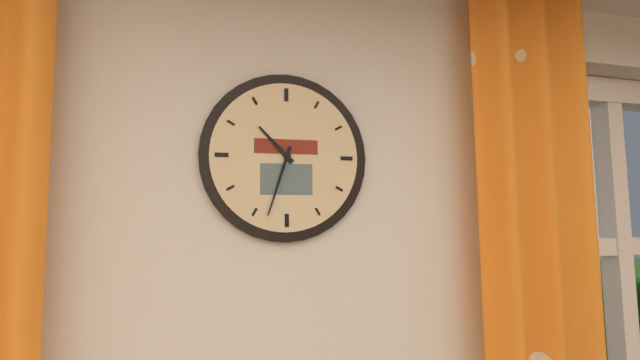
{"hour": 10, "minute": 33}
